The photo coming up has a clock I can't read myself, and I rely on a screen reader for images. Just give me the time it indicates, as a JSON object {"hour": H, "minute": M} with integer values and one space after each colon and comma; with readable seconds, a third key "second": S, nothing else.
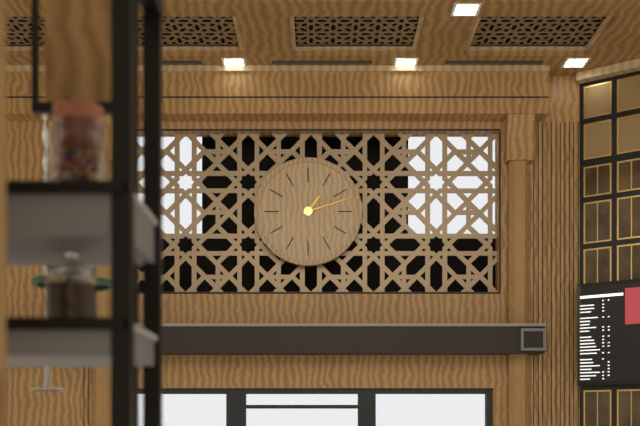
{"hour": 1, "minute": 12}
